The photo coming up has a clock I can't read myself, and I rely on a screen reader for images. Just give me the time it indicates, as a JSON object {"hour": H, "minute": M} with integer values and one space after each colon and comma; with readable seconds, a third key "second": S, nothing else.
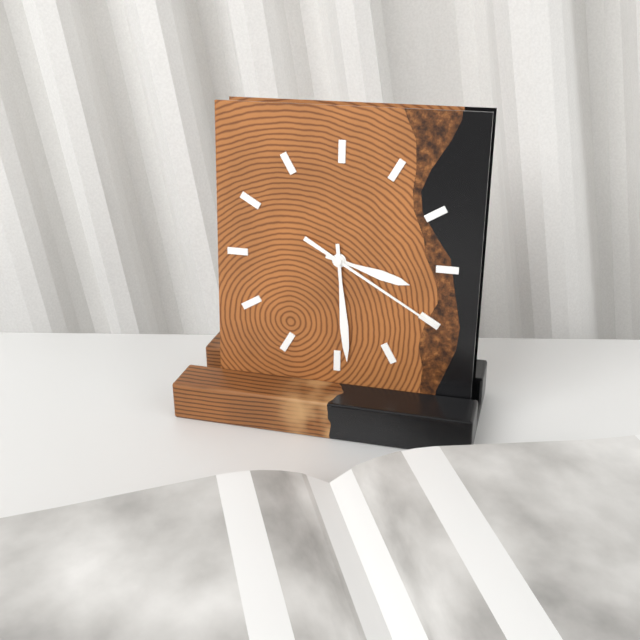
{"hour": 3, "minute": 29, "second": 20}
